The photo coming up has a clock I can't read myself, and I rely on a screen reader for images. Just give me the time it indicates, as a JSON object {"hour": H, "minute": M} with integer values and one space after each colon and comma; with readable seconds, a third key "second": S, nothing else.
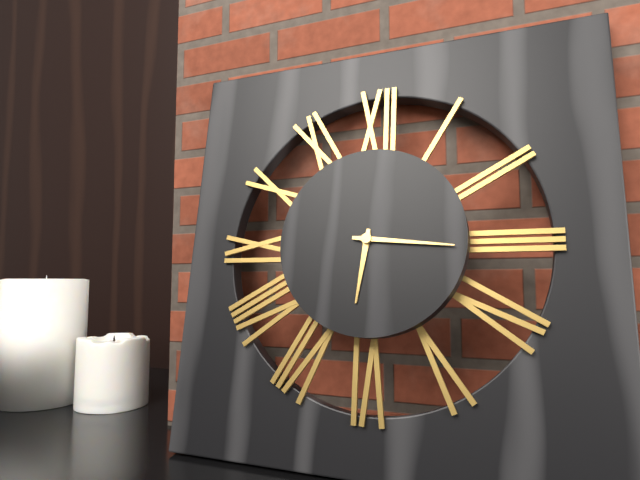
{"hour": 6, "minute": 16}
